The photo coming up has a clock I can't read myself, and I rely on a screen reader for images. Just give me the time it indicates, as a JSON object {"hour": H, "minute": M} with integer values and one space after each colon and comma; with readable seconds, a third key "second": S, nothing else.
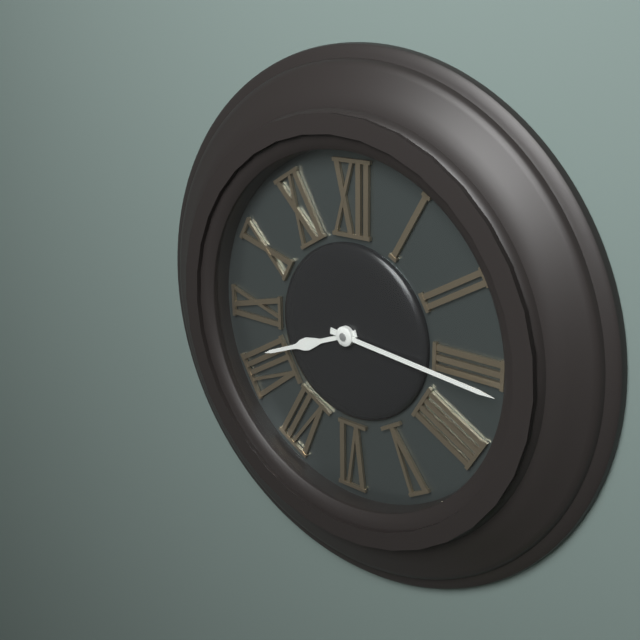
{"hour": 8, "minute": 16}
